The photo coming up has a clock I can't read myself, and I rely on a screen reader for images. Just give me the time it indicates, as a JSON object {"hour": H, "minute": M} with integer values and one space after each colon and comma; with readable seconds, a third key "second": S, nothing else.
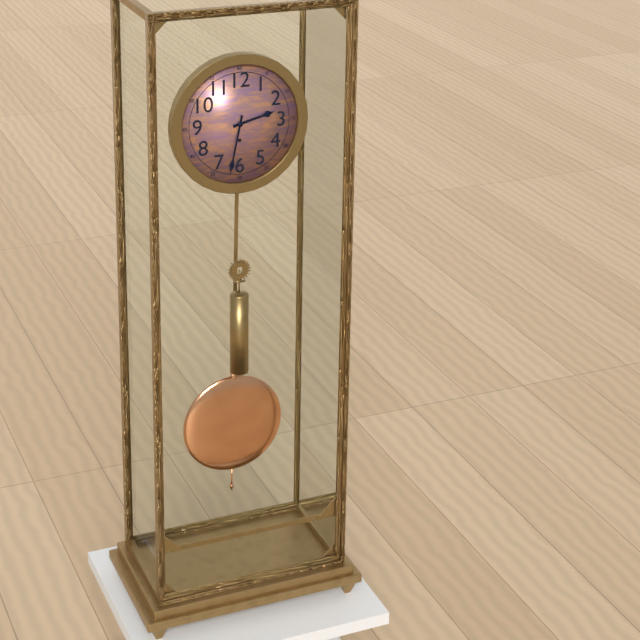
{"hour": 2, "minute": 32}
